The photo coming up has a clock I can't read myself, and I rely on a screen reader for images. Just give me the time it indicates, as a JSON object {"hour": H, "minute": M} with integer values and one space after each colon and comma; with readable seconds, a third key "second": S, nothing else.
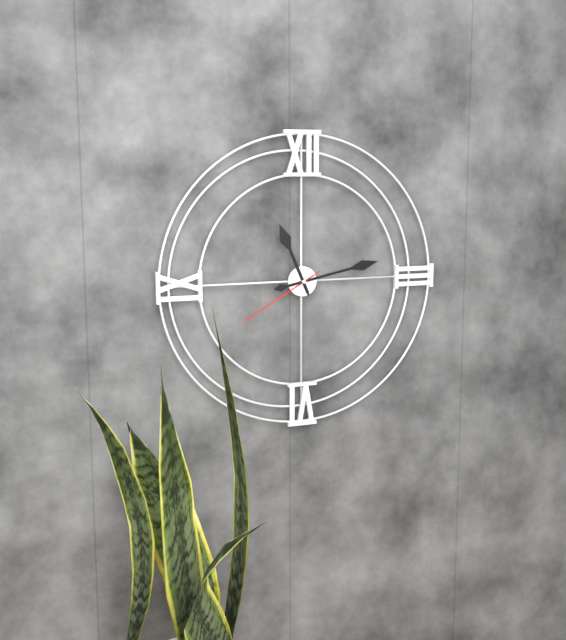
{"hour": 11, "minute": 13, "second": 40}
